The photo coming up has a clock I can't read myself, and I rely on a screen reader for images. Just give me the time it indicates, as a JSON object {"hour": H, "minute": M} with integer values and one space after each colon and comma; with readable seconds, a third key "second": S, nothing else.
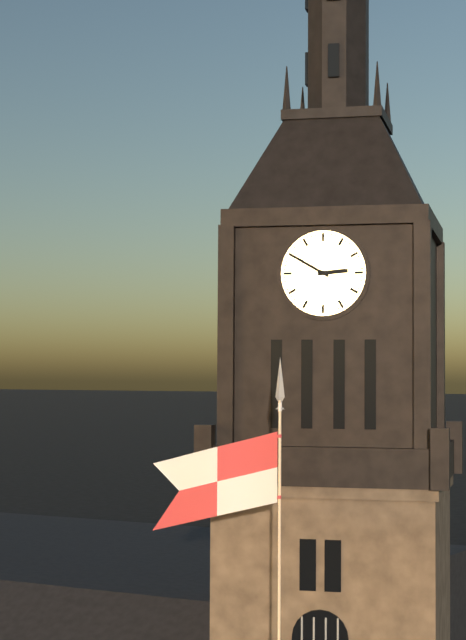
{"hour": 2, "minute": 50}
